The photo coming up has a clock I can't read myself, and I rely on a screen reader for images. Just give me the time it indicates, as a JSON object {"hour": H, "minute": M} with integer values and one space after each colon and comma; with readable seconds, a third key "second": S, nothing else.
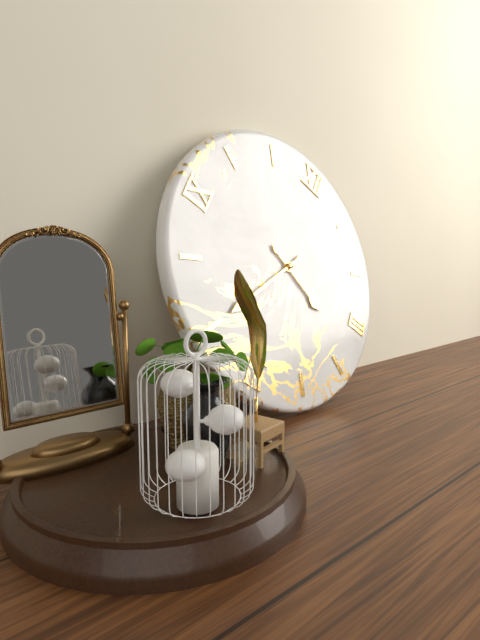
{"hour": 3, "minute": 35}
